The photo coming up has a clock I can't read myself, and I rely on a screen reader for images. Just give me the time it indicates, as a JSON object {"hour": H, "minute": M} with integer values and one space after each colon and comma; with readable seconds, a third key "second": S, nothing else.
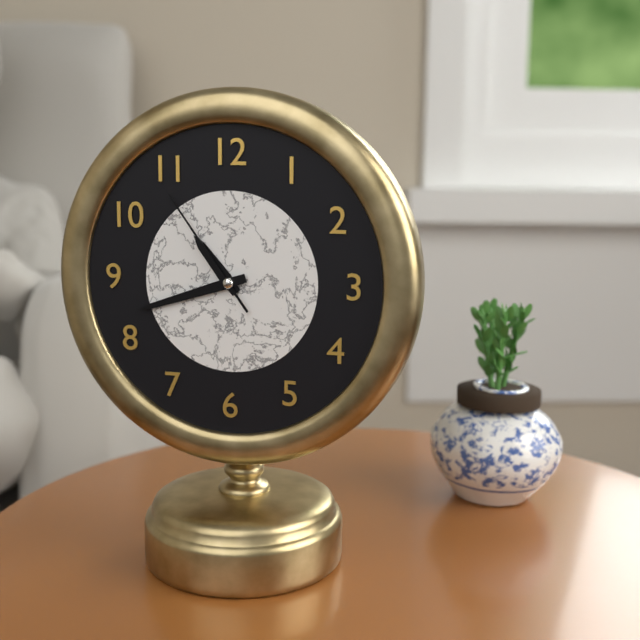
{"hour": 10, "minute": 42, "second": 54}
